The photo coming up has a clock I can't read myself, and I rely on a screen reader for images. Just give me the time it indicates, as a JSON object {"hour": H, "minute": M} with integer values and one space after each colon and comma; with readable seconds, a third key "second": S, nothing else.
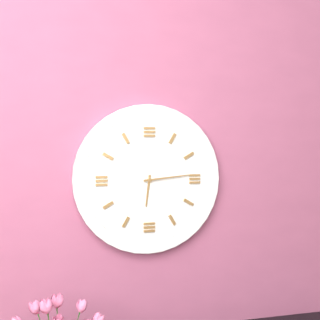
{"hour": 6, "minute": 14}
